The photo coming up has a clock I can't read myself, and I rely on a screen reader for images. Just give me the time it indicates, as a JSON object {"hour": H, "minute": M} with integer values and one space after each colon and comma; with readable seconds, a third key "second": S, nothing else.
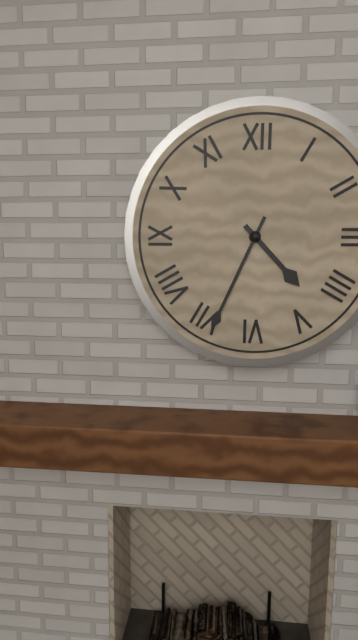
{"hour": 4, "minute": 34}
